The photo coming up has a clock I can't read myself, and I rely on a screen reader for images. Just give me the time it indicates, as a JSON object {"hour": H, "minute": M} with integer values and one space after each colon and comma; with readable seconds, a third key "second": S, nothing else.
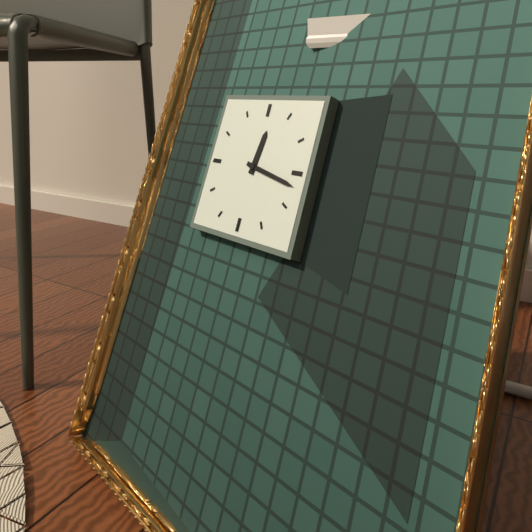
{"hour": 12, "minute": 17}
